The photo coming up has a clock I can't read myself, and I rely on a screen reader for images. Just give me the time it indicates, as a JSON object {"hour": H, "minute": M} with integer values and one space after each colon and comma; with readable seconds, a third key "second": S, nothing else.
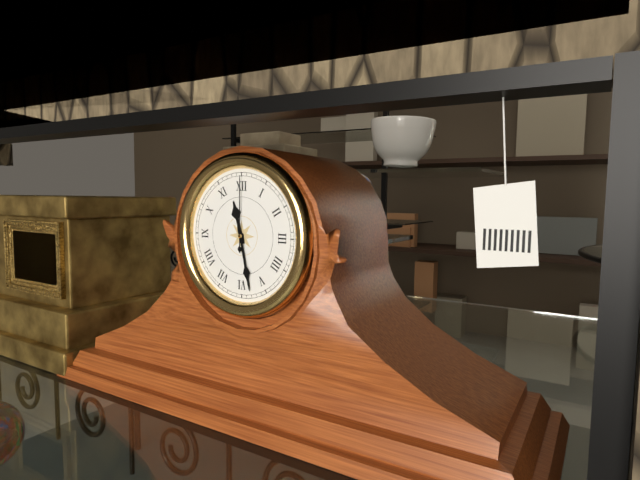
{"hour": 11, "minute": 28, "second": 0}
